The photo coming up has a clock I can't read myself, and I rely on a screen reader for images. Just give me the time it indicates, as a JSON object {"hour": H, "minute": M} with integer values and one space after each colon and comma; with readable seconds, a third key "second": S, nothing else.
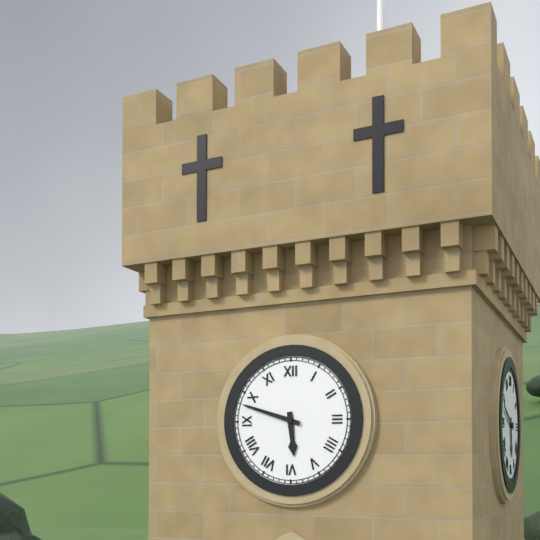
{"hour": 5, "minute": 48}
